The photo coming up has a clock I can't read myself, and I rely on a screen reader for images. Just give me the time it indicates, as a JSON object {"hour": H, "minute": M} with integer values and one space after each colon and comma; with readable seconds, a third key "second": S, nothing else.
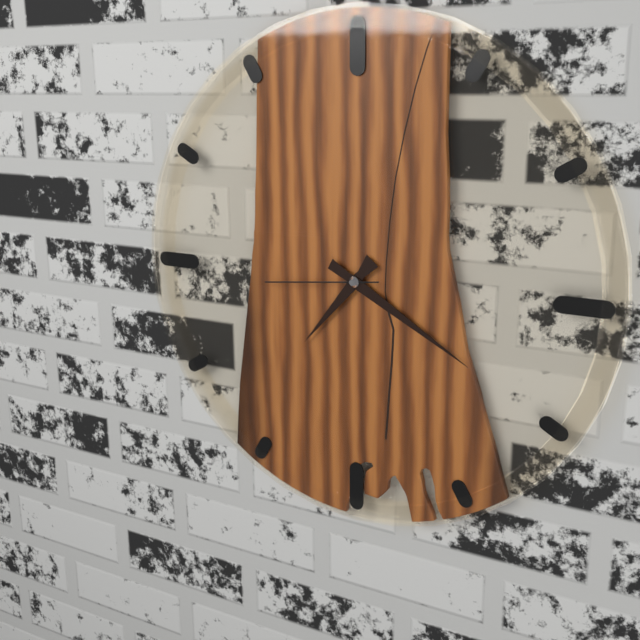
{"hour": 7, "minute": 20, "second": 44}
